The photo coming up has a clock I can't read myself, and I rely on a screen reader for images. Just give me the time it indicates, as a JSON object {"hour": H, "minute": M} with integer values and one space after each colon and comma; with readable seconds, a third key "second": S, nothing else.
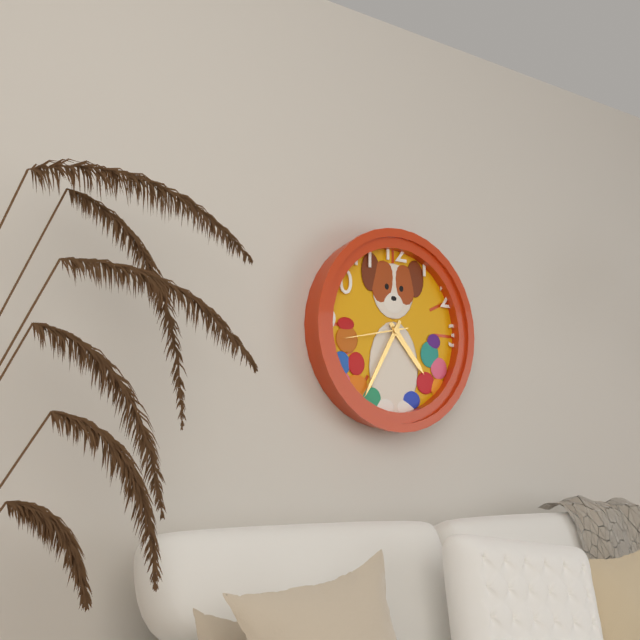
{"hour": 4, "minute": 35, "second": 43}
